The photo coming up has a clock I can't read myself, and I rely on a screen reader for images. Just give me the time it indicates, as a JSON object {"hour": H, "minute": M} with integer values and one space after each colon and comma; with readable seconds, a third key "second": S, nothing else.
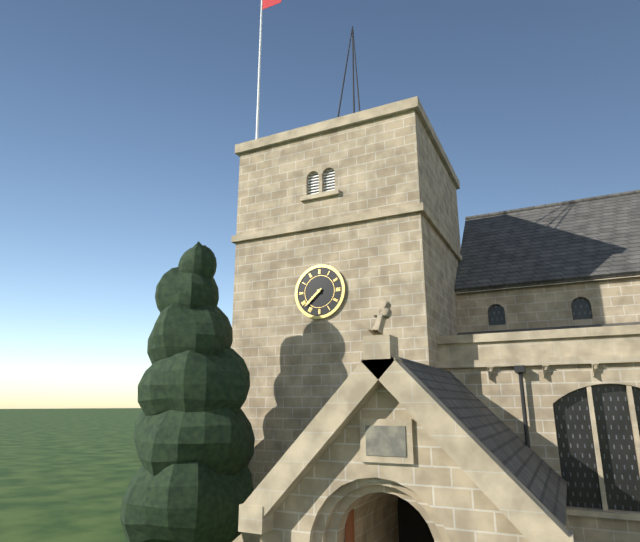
{"hour": 7, "minute": 38}
